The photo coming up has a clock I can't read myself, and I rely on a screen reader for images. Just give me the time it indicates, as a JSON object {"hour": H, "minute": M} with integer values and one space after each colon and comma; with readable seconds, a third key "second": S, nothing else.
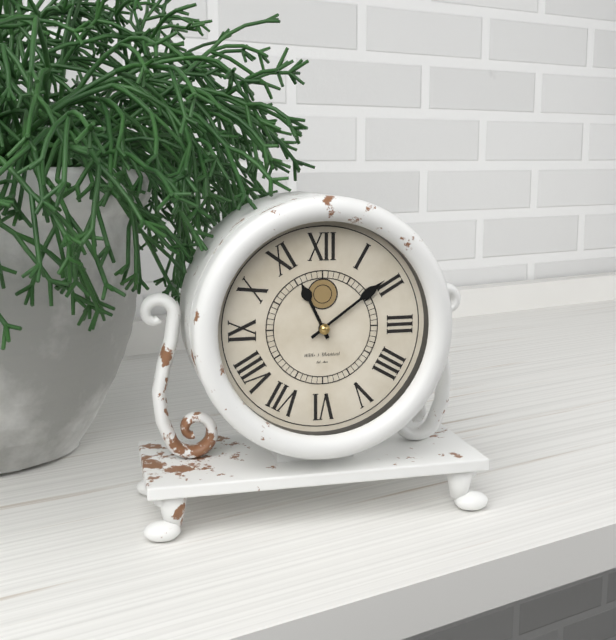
{"hour": 11, "minute": 9}
